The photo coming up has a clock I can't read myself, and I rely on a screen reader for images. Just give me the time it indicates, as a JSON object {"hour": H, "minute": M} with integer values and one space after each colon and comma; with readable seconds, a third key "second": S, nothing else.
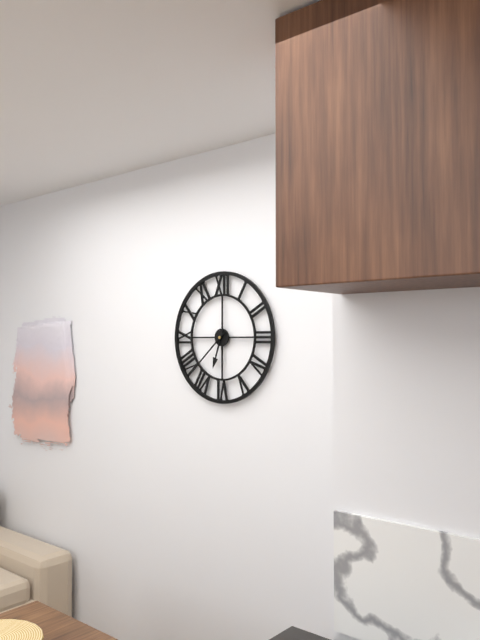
{"hour": 6, "minute": 38}
